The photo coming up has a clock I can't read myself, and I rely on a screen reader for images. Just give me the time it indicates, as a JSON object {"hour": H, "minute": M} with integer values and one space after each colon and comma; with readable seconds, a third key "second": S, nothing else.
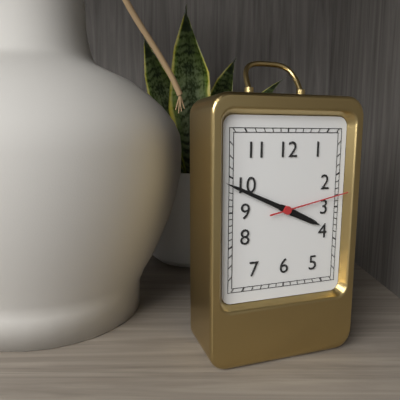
{"hour": 3, "minute": 49, "second": 13}
